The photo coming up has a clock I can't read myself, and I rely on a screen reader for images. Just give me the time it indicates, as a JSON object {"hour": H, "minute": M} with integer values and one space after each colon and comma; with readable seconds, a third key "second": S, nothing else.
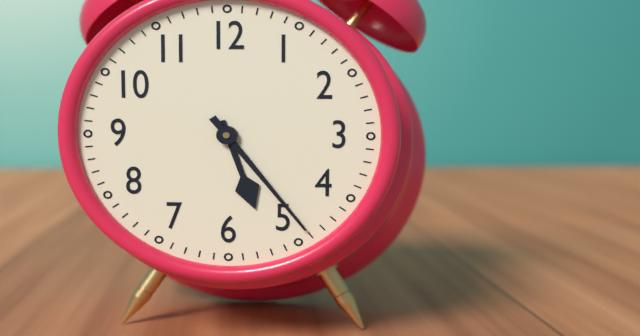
{"hour": 5, "minute": 24}
